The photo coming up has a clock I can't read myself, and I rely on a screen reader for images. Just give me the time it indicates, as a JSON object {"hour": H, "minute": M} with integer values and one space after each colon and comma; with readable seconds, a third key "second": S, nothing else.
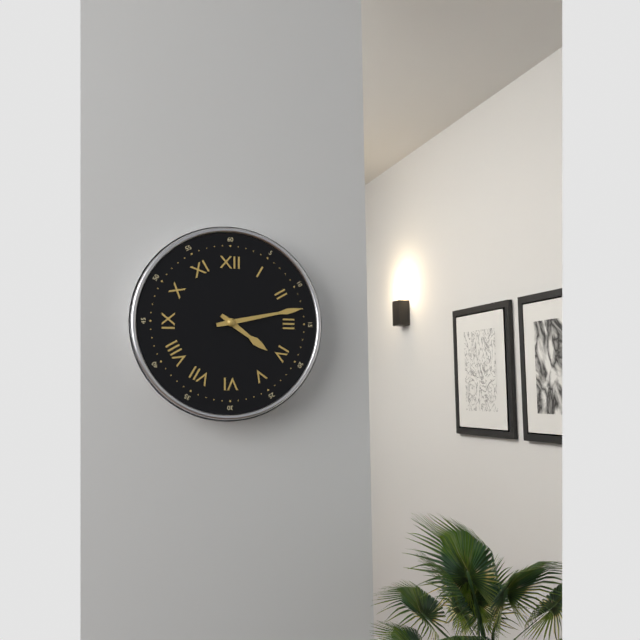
{"hour": 4, "minute": 13}
